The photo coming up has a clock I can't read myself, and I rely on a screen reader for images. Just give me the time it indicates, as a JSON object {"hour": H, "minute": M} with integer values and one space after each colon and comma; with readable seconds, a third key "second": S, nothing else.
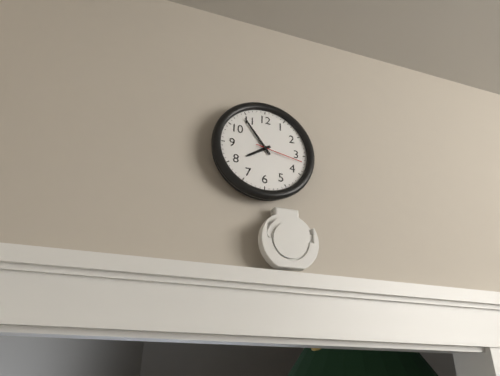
{"hour": 7, "minute": 54}
